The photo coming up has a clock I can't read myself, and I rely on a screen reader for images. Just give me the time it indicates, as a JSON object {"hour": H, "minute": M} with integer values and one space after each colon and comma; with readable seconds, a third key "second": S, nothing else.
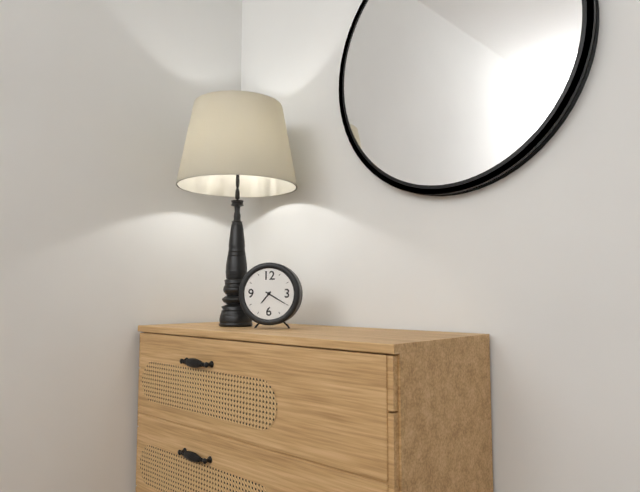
{"hour": 7, "minute": 20}
